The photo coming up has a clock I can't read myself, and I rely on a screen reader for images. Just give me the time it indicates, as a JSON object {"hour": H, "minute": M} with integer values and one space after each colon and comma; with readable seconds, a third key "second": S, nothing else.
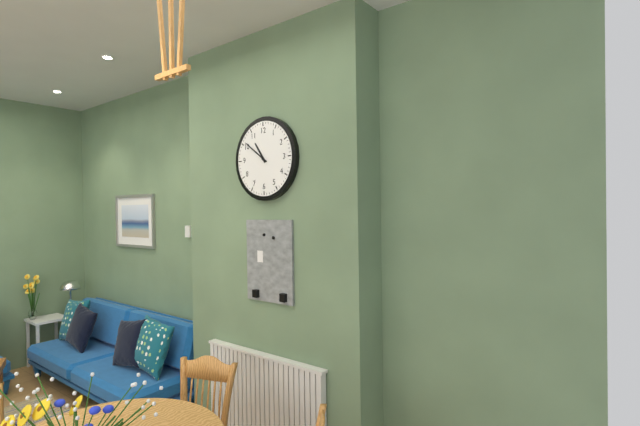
{"hour": 10, "minute": 51}
